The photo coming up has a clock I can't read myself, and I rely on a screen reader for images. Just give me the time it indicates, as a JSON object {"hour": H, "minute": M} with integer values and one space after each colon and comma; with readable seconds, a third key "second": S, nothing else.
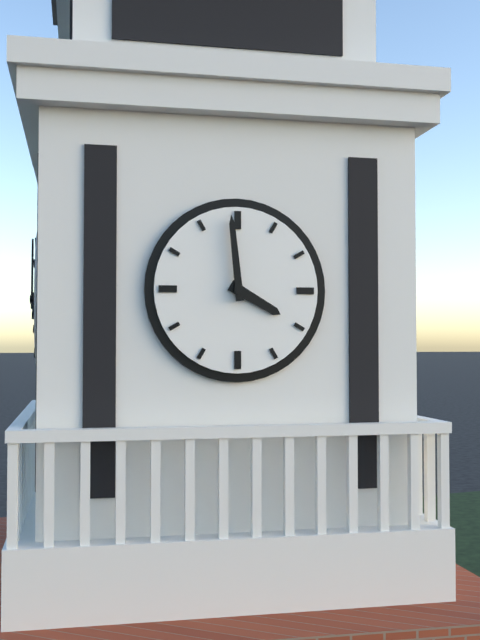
{"hour": 3, "minute": 59}
